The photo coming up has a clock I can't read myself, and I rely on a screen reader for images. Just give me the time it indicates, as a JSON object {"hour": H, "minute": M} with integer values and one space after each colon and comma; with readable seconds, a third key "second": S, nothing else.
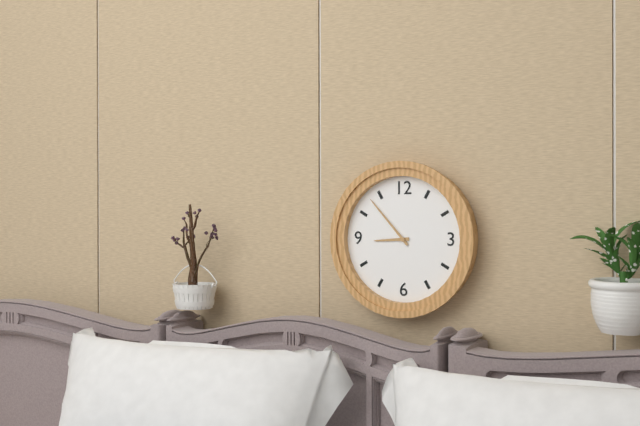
{"hour": 8, "minute": 53}
